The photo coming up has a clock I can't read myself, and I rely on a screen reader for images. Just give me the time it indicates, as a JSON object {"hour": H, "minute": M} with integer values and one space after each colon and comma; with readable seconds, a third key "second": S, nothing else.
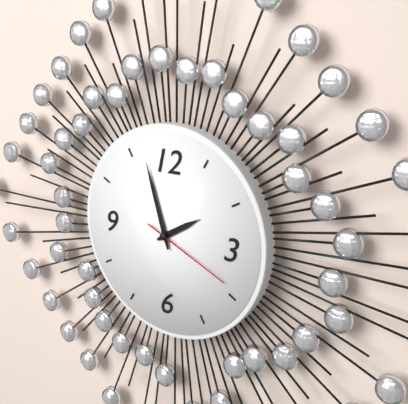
{"hour": 1, "minute": 57, "second": 19}
